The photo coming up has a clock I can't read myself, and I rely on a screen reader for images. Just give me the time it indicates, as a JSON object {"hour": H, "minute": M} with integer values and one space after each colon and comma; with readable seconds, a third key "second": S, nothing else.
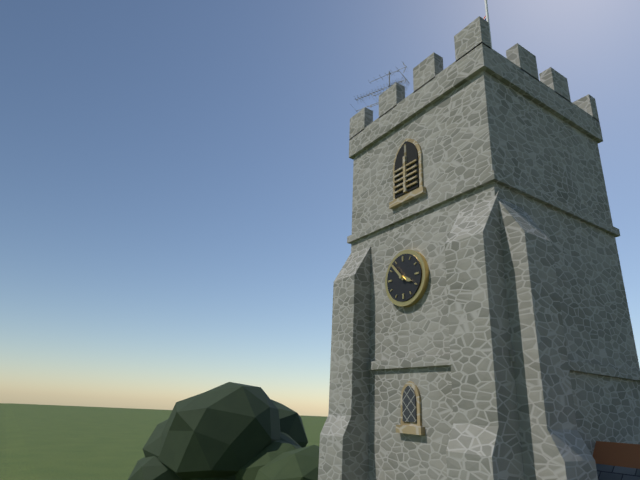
{"hour": 3, "minute": 53}
